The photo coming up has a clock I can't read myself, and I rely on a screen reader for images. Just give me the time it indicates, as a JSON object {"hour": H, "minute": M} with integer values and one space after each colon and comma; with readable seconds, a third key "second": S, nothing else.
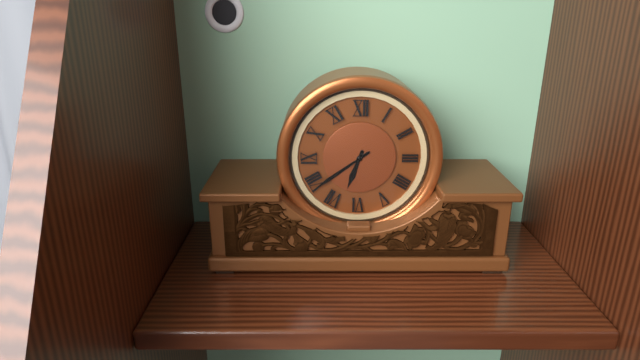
{"hour": 6, "minute": 39}
